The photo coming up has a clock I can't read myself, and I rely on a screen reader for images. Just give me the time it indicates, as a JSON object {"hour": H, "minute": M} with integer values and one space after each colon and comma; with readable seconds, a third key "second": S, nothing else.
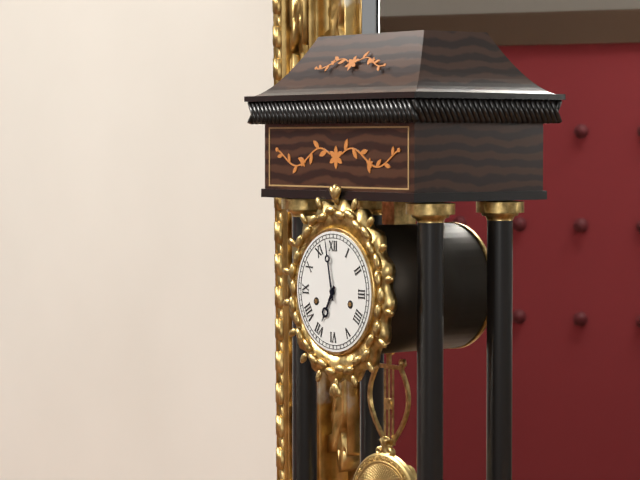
{"hour": 6, "minute": 58}
